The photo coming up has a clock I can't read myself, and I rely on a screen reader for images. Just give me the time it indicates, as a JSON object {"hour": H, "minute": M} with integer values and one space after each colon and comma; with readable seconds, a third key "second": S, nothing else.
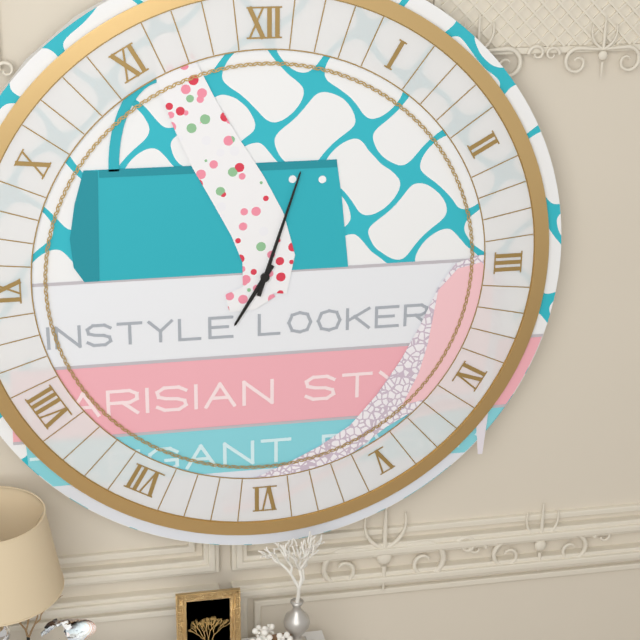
{"hour": 7, "minute": 3}
